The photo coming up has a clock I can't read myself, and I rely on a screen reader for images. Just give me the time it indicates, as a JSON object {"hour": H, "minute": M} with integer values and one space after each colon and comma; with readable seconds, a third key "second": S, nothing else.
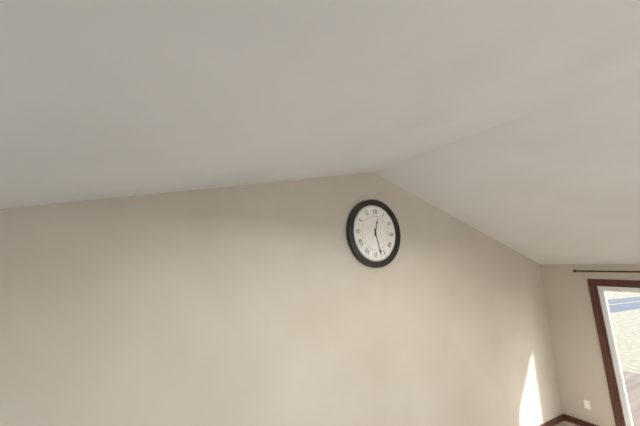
{"hour": 12, "minute": 27}
